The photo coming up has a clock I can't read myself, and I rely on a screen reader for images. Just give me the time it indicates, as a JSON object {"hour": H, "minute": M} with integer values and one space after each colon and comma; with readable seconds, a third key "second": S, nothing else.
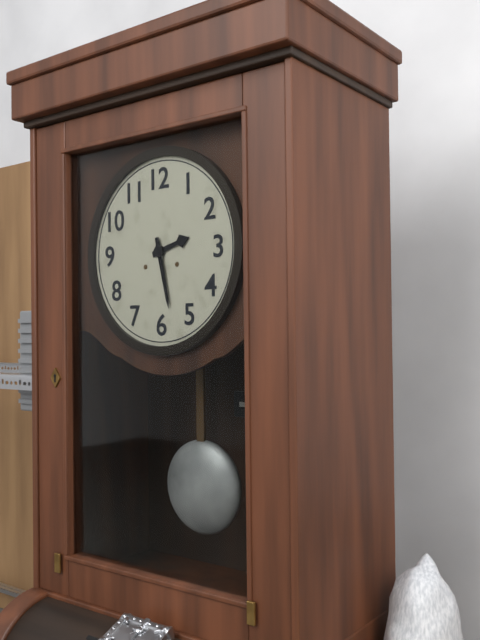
{"hour": 2, "minute": 28}
